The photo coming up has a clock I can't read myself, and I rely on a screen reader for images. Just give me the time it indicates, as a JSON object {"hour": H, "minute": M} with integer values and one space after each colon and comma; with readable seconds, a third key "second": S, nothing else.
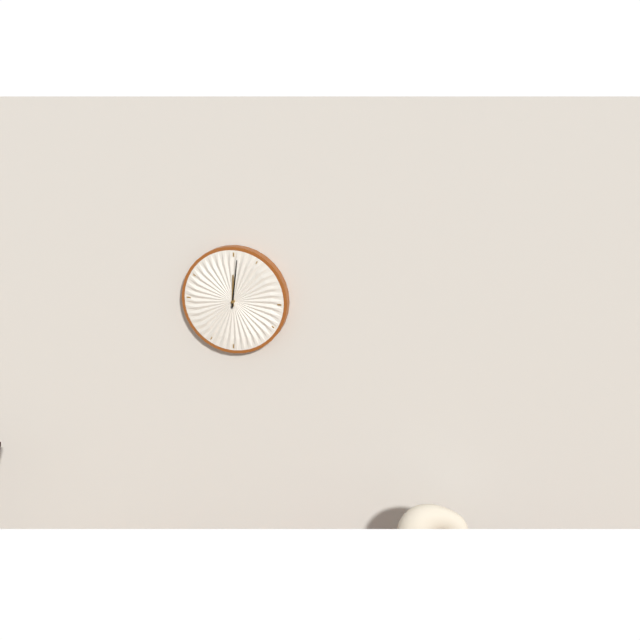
{"hour": 12, "minute": 1}
